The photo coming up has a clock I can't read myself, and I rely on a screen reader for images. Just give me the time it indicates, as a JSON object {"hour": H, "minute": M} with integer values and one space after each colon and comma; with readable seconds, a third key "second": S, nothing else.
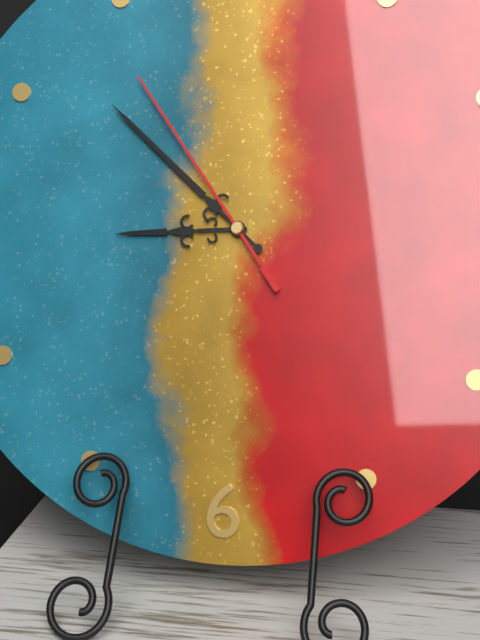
{"hour": 8, "minute": 52, "second": 54}
